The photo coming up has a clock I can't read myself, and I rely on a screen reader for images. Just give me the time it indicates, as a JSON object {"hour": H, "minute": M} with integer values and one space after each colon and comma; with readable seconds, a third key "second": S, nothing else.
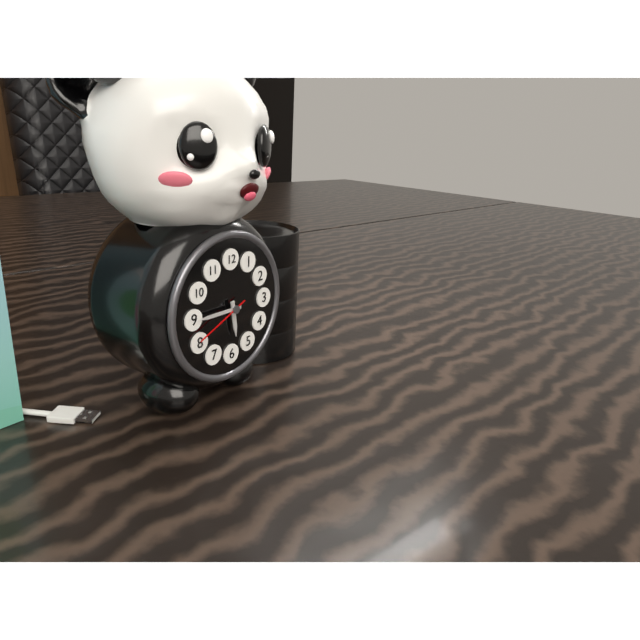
{"hour": 5, "minute": 45, "second": 41}
